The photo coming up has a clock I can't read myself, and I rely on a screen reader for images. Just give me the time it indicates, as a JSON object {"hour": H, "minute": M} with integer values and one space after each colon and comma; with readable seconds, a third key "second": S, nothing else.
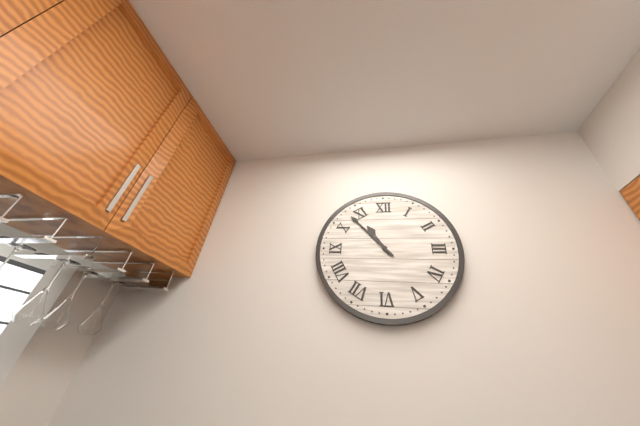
{"hour": 10, "minute": 53}
